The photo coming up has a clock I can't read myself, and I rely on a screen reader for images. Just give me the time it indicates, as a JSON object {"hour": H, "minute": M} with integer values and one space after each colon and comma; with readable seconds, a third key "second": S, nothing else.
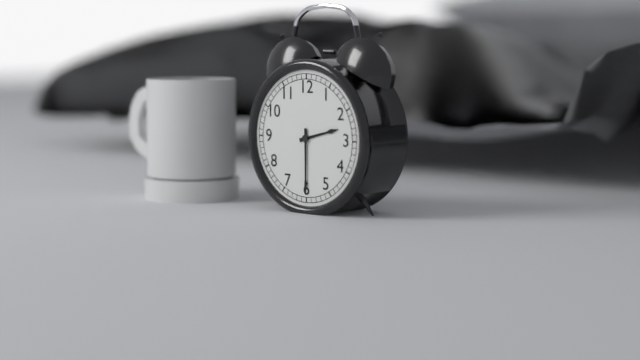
{"hour": 2, "minute": 30}
